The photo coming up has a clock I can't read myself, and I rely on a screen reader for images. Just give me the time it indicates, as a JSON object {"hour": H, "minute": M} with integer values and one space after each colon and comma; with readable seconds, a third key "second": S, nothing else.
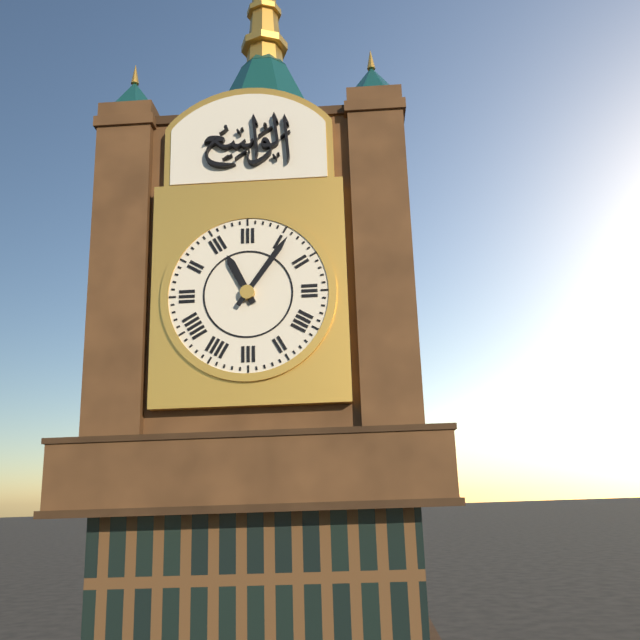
{"hour": 11, "minute": 6}
